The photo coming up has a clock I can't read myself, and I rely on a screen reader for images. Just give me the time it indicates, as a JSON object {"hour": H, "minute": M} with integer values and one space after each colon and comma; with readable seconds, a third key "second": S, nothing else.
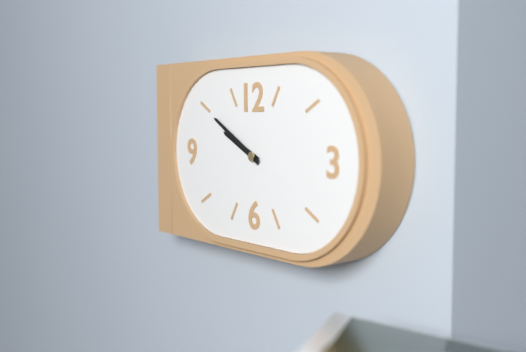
{"hour": 9, "minute": 50}
